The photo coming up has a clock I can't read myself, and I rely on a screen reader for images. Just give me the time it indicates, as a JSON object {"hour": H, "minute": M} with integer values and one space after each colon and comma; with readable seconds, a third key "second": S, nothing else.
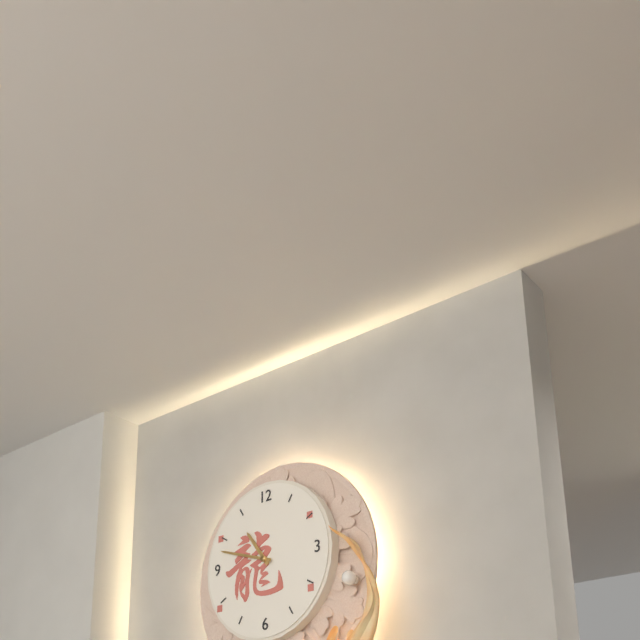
{"hour": 10, "minute": 48}
